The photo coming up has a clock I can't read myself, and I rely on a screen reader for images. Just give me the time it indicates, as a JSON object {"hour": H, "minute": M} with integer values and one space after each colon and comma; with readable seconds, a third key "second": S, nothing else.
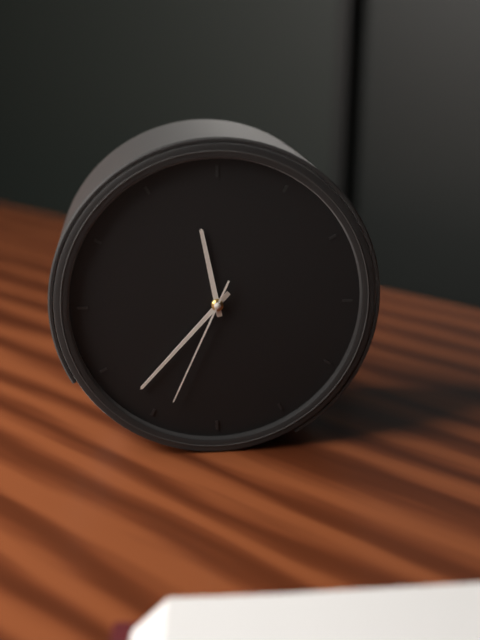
{"hour": 11, "minute": 37, "second": 34}
